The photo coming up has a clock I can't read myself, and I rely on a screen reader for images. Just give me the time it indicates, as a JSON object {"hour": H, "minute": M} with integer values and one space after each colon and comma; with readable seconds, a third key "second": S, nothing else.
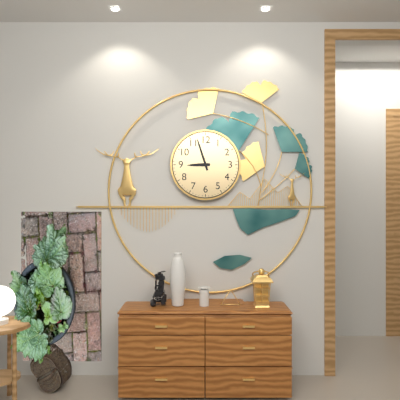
{"hour": 8, "minute": 57}
